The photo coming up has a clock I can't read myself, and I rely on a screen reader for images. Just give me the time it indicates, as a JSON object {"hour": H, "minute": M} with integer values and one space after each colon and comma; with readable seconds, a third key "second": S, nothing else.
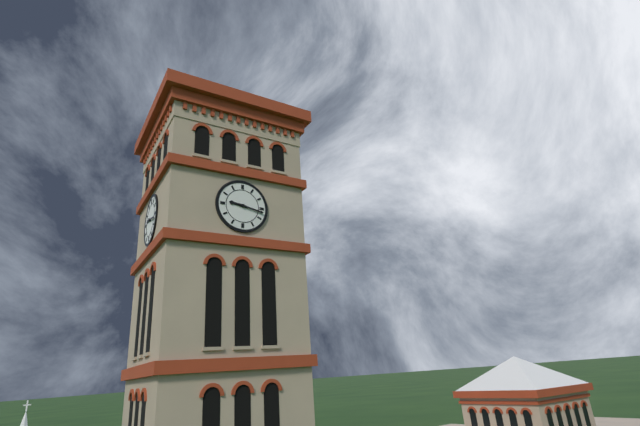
{"hour": 9, "minute": 17}
